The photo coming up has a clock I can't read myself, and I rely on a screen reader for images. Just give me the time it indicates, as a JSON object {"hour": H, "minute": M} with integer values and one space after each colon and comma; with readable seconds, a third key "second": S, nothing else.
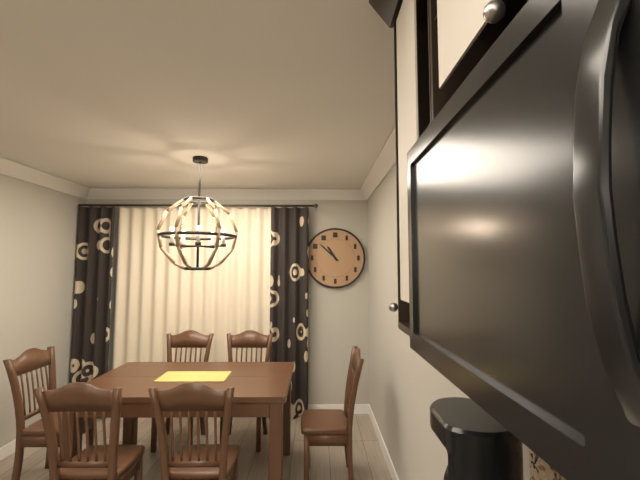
{"hour": 10, "minute": 52}
